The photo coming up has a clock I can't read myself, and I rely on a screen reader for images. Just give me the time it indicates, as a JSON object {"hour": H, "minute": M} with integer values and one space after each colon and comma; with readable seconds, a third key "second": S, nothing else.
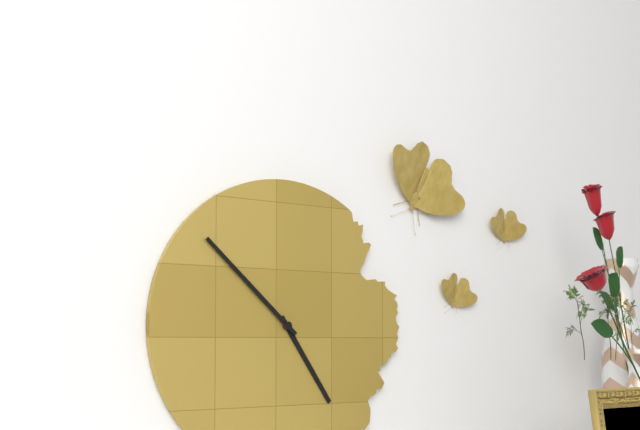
{"hour": 4, "minute": 52}
